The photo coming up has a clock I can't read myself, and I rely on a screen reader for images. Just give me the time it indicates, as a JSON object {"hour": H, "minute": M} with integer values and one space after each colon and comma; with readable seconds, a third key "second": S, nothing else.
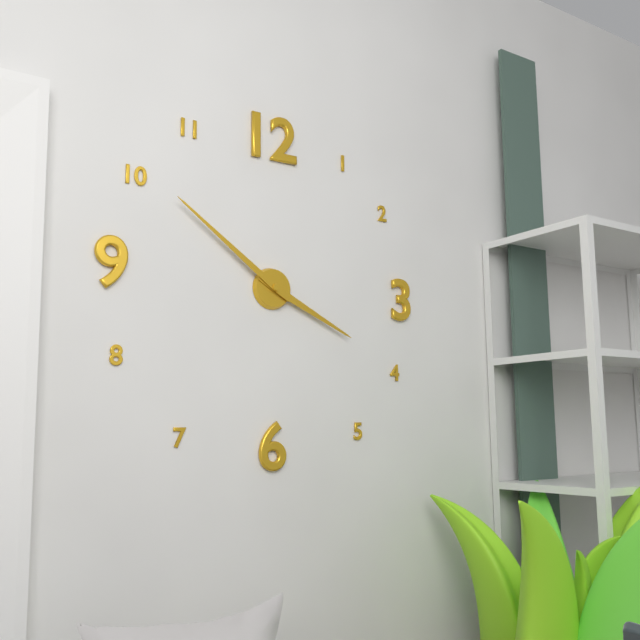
{"hour": 3, "minute": 51}
